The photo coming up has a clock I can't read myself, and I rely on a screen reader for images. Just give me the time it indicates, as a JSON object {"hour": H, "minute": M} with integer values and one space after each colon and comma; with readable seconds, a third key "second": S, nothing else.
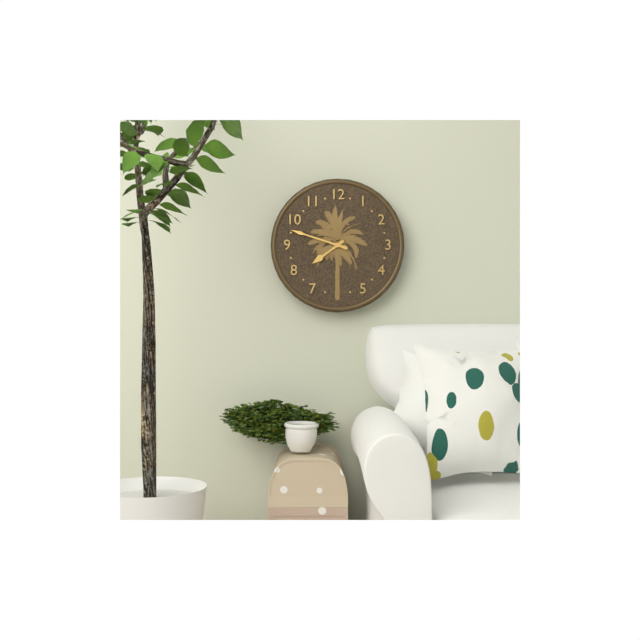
{"hour": 7, "minute": 48}
